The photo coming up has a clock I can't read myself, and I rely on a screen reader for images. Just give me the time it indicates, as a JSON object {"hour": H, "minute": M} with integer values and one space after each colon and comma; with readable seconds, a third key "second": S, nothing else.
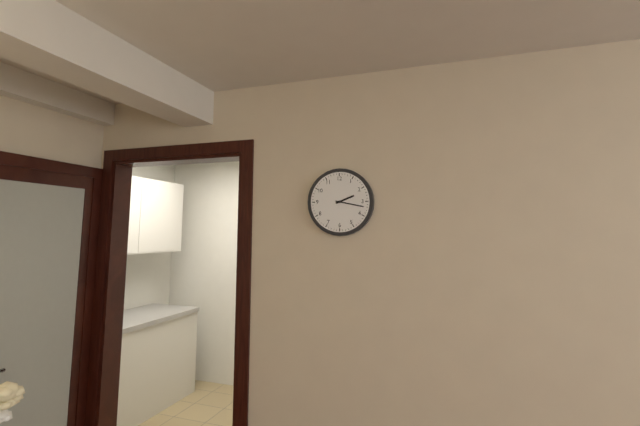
{"hour": 2, "minute": 17}
